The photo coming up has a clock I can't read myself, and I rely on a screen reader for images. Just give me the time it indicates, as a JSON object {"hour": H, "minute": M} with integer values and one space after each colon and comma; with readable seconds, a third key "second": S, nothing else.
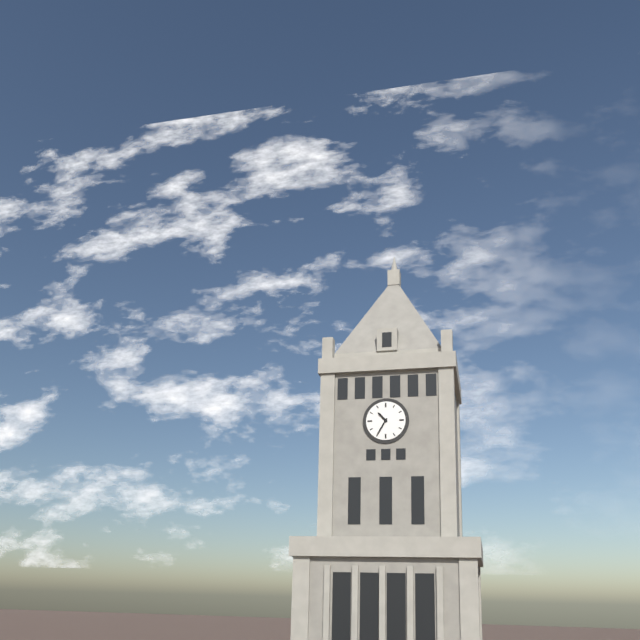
{"hour": 10, "minute": 35}
